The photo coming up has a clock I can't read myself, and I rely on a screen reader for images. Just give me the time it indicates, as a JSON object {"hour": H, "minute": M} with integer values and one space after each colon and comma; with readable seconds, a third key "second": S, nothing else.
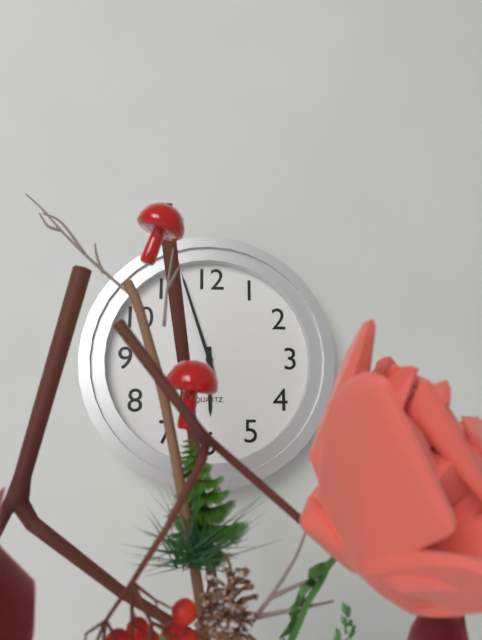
{"hour": 5, "minute": 57}
